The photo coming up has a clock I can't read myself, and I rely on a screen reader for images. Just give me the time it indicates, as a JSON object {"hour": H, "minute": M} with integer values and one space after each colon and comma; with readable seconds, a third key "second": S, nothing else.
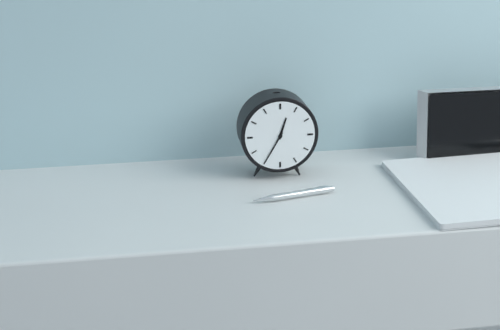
{"hour": 12, "minute": 35}
